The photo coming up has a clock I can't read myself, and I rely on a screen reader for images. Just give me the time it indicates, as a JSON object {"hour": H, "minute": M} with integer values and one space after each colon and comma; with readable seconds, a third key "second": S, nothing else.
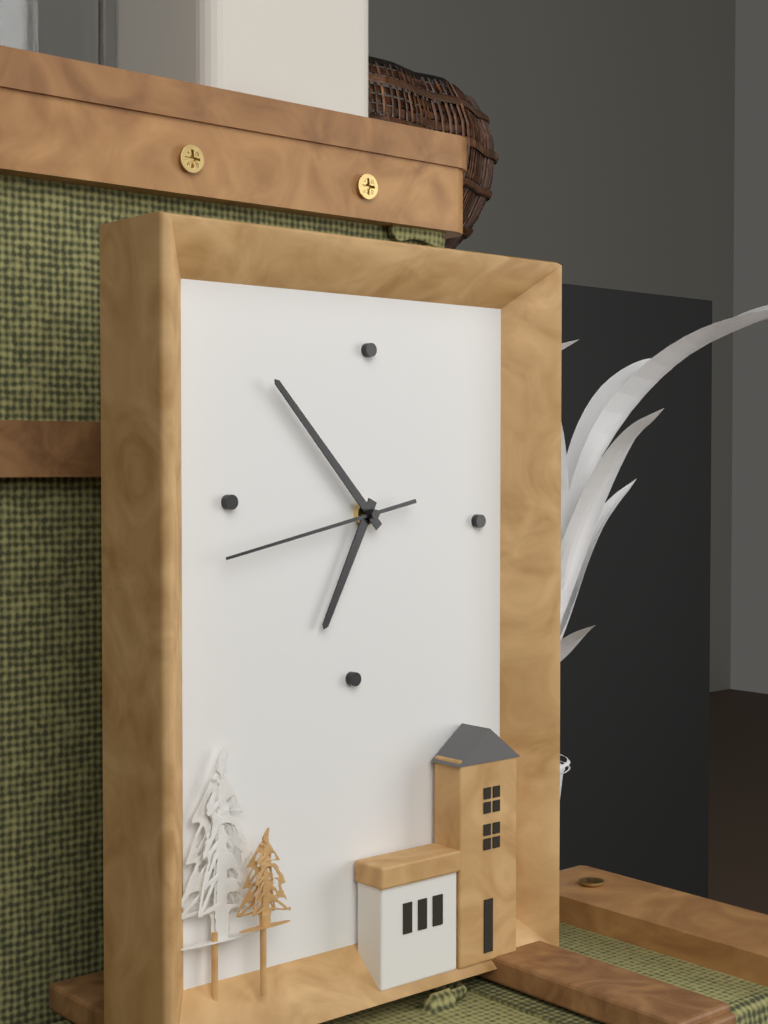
{"hour": 6, "minute": 53, "second": 43}
